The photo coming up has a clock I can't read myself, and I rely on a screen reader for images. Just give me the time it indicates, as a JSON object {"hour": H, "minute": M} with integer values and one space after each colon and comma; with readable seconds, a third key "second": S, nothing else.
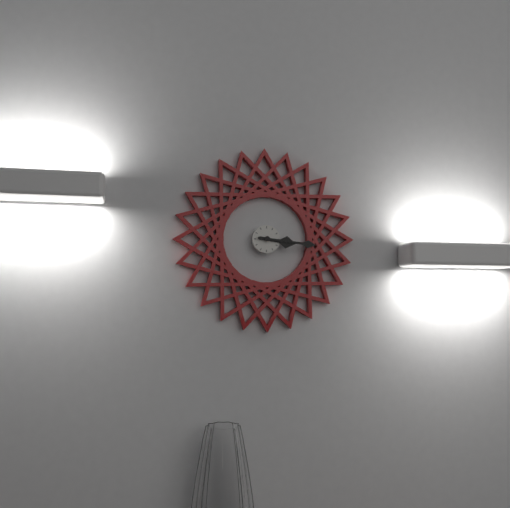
{"hour": 3, "minute": 16}
